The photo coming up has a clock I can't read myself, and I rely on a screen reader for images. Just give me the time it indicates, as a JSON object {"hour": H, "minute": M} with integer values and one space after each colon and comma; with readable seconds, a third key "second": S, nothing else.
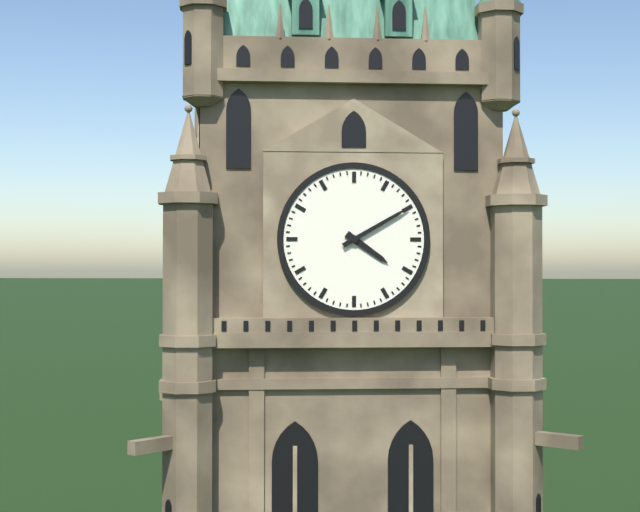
{"hour": 4, "minute": 10}
